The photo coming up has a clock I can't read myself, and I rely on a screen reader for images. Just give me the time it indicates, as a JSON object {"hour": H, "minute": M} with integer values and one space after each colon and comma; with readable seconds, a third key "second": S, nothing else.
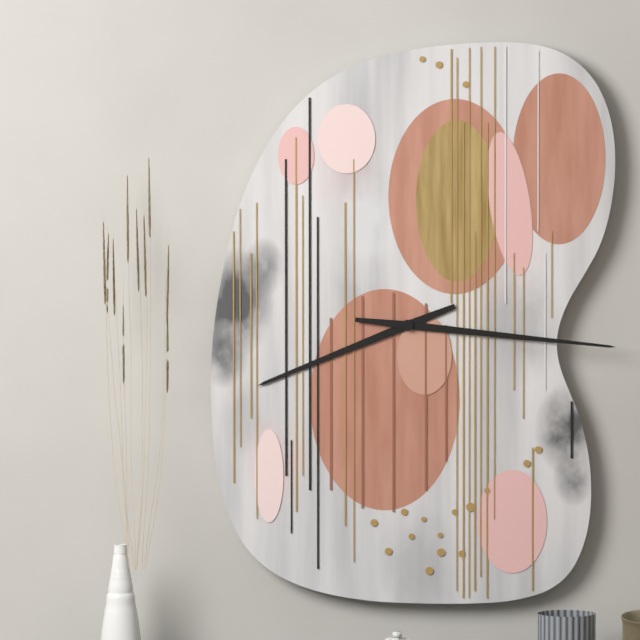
{"hour": 8, "minute": 16}
